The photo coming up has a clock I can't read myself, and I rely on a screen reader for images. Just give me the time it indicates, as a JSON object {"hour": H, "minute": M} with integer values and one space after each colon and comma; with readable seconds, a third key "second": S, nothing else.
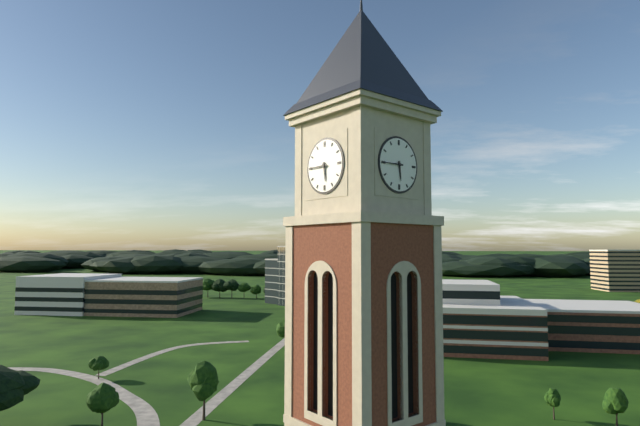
{"hour": 5, "minute": 45}
